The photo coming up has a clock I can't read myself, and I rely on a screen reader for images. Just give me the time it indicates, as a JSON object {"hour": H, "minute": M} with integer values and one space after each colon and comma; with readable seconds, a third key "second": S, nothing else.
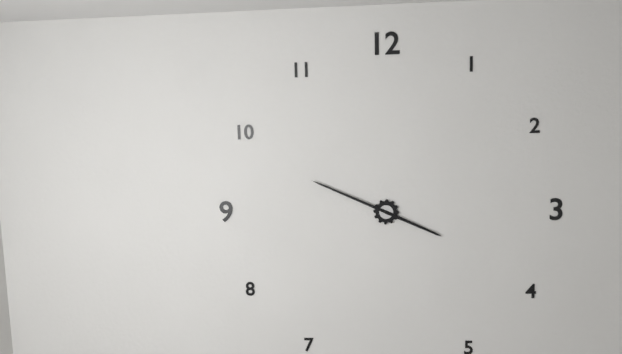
{"hour": 3, "minute": 49}
